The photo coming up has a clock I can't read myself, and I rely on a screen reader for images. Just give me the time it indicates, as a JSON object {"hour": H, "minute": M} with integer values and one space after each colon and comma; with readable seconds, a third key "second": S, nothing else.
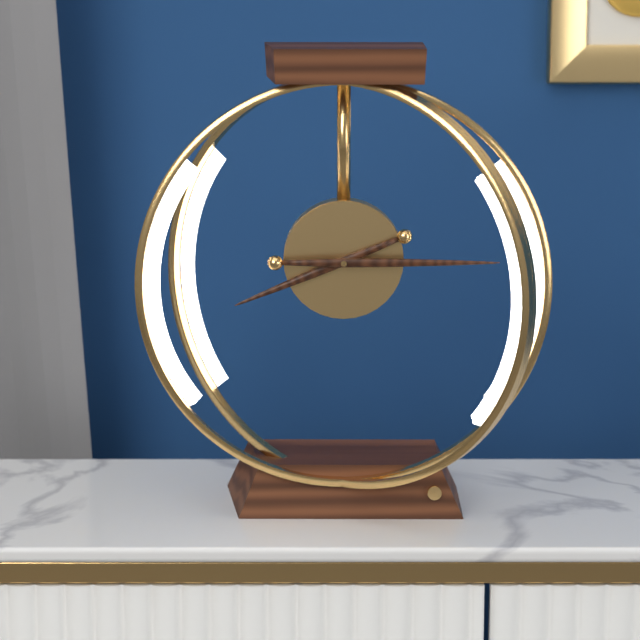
{"hour": 8, "minute": 15}
